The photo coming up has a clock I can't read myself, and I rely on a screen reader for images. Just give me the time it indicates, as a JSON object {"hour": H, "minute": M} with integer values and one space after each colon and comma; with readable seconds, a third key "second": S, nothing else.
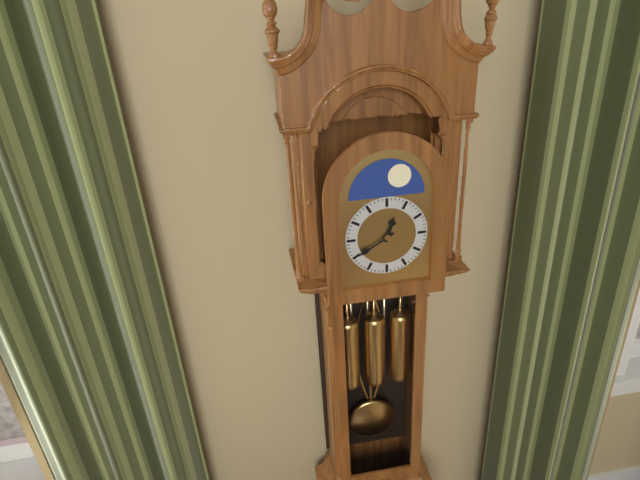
{"hour": 12, "minute": 40}
